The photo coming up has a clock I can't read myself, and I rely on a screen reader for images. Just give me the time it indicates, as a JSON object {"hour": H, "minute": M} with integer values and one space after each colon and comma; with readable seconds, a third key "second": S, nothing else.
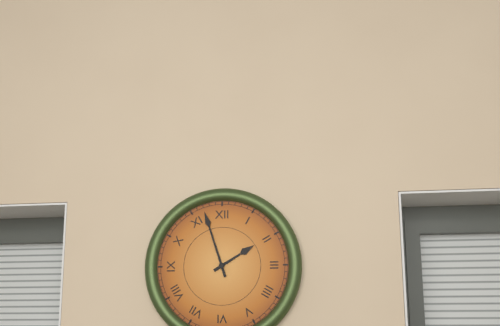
{"hour": 1, "minute": 57}
